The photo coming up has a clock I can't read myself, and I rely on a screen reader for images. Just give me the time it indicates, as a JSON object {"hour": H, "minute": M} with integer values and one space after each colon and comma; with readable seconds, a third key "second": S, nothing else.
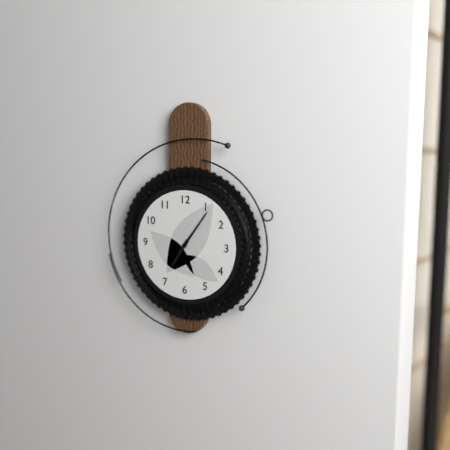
{"hour": 7, "minute": 6}
